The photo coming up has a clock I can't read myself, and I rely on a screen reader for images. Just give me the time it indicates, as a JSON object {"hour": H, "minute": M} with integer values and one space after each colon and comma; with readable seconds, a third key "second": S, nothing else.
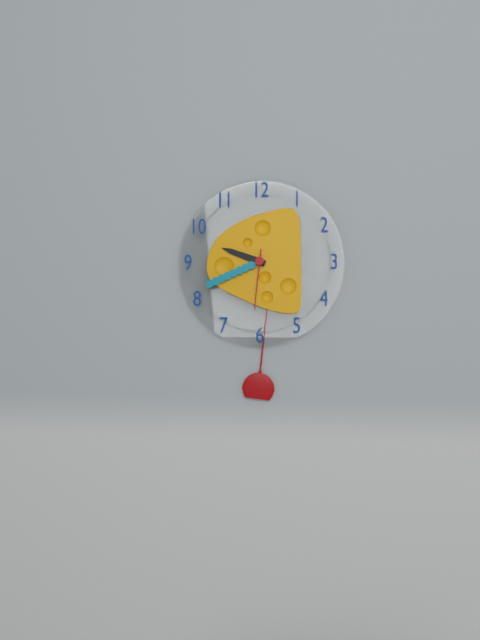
{"hour": 9, "minute": 41, "second": 31}
